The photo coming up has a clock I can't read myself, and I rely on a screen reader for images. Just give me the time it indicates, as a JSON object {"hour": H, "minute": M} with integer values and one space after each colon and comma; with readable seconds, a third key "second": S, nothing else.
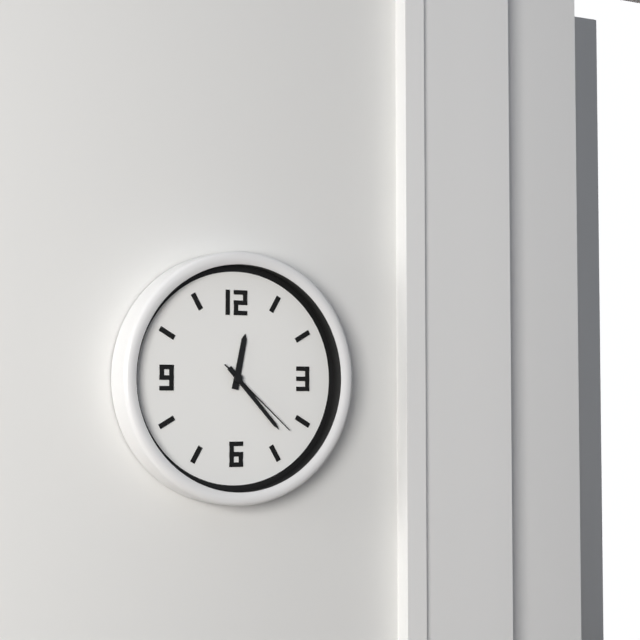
{"hour": 12, "minute": 23, "second": 22}
